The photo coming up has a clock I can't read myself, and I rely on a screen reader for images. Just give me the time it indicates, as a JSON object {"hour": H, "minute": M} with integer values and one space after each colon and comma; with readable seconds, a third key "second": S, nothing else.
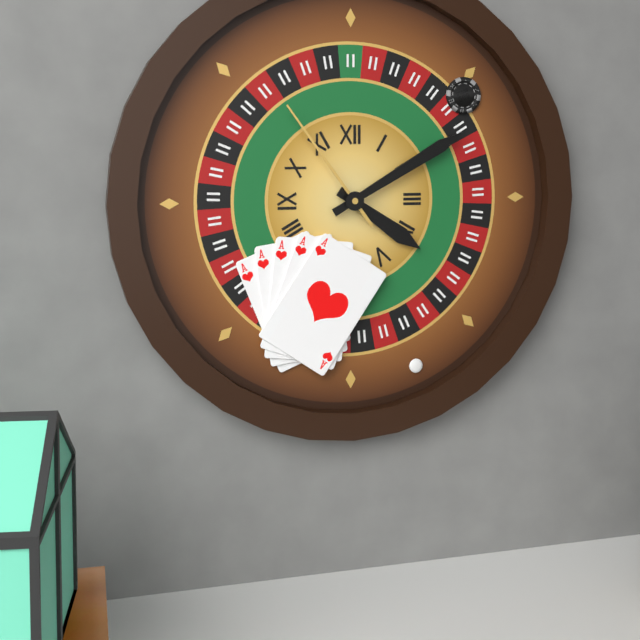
{"hour": 4, "minute": 10, "second": 54}
